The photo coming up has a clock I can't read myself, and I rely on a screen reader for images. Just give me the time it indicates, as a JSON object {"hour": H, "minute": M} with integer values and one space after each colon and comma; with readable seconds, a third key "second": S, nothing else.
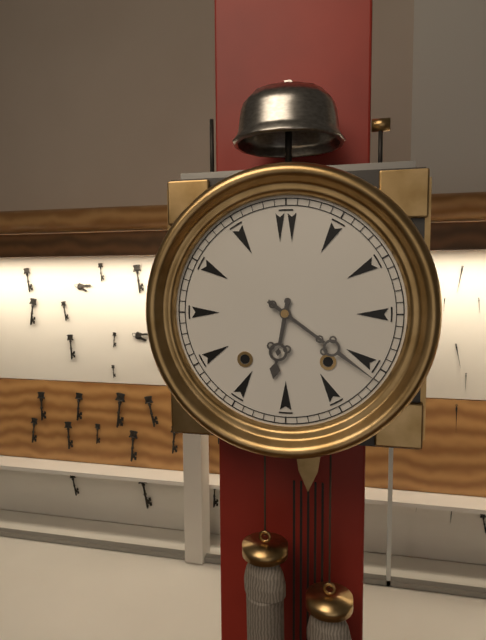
{"hour": 6, "minute": 21}
